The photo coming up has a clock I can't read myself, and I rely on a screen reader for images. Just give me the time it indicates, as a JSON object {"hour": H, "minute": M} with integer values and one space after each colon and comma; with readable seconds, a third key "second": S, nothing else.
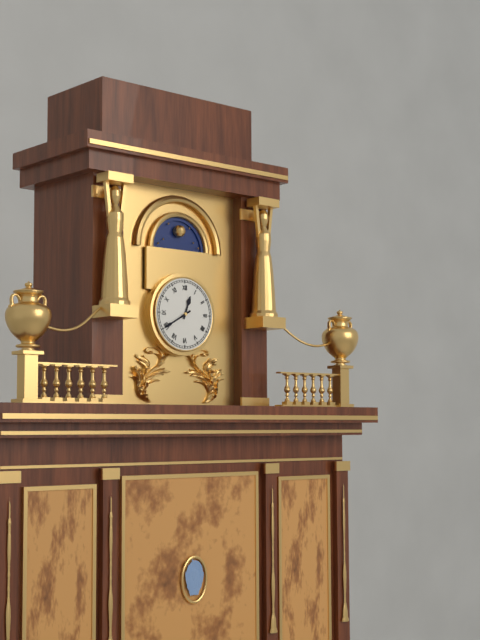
{"hour": 12, "minute": 40}
